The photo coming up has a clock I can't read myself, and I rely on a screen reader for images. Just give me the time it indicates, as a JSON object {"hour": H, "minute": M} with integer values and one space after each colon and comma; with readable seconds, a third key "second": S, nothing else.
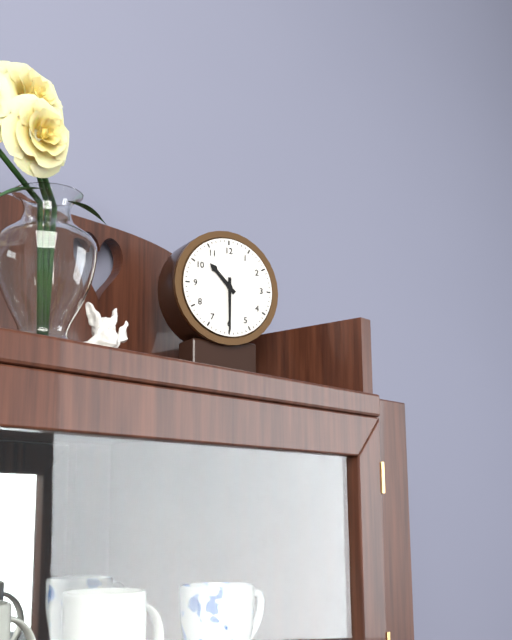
{"hour": 10, "minute": 30}
